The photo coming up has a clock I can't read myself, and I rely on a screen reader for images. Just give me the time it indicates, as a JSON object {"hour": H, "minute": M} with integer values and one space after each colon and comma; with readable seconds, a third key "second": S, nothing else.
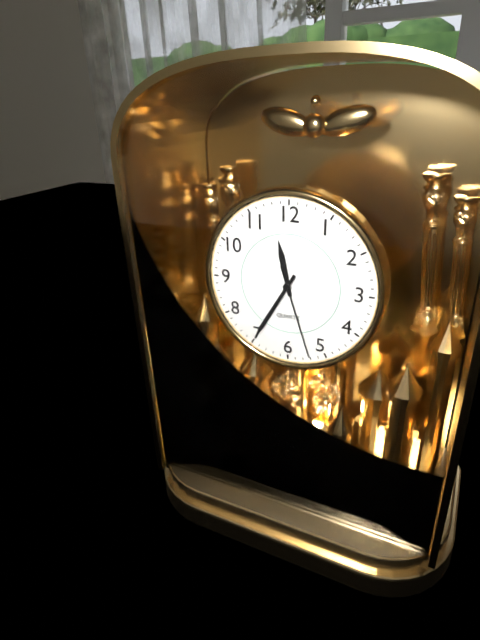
{"hour": 11, "minute": 35, "second": 27}
